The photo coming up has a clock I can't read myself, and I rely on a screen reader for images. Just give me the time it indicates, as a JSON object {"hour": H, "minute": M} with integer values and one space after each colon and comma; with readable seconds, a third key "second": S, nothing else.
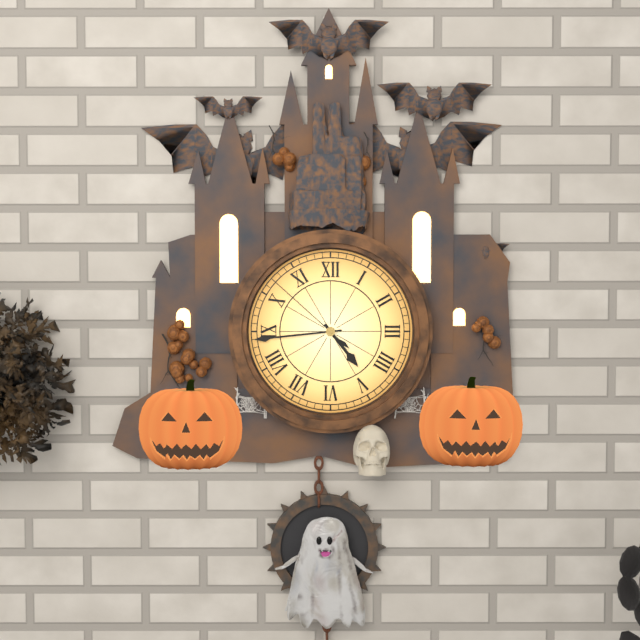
{"hour": 4, "minute": 44, "second": 52}
